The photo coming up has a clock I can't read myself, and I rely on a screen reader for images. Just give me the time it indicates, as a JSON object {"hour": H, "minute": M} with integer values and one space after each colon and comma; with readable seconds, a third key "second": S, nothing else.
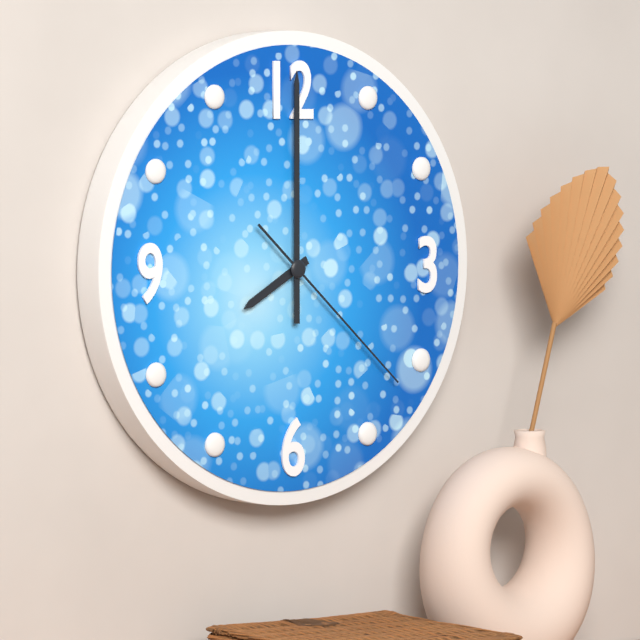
{"hour": 8, "minute": 0, "second": 22}
